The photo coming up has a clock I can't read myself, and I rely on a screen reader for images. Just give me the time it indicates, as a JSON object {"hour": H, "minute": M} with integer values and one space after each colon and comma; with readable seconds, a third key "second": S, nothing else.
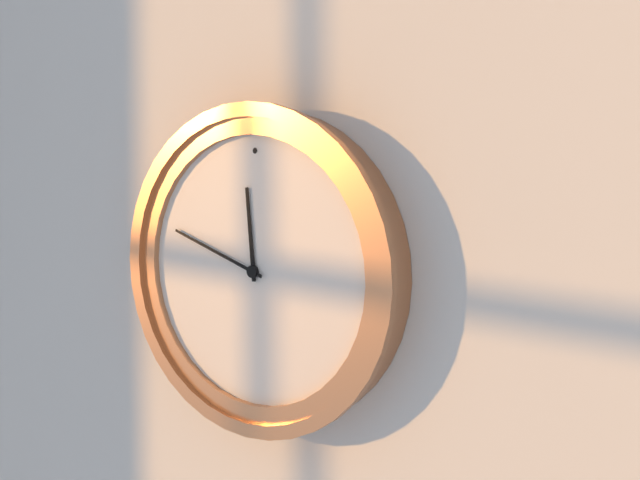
{"hour": 11, "minute": 48}
